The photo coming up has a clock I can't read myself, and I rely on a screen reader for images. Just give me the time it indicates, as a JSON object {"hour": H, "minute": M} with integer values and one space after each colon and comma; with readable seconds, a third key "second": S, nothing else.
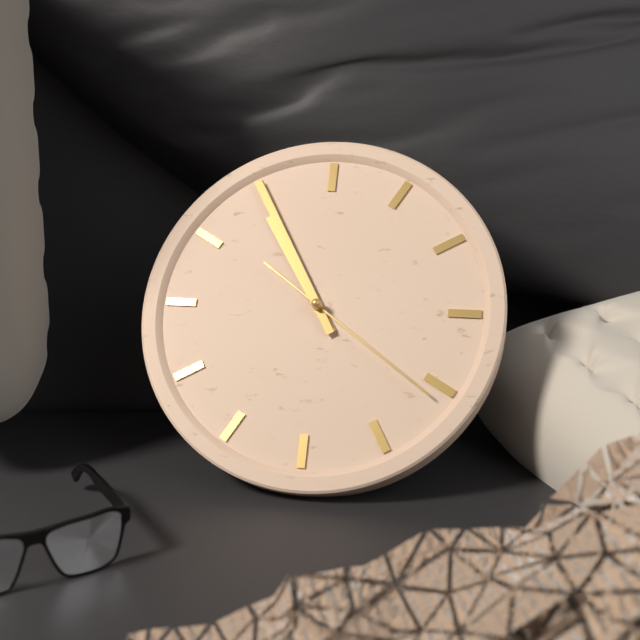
{"hour": 10, "minute": 55, "second": 21}
